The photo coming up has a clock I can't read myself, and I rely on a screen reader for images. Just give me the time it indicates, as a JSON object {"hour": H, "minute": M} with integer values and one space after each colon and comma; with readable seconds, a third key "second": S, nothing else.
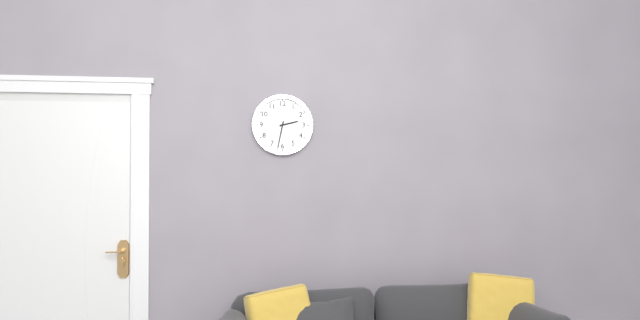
{"hour": 2, "minute": 32}
